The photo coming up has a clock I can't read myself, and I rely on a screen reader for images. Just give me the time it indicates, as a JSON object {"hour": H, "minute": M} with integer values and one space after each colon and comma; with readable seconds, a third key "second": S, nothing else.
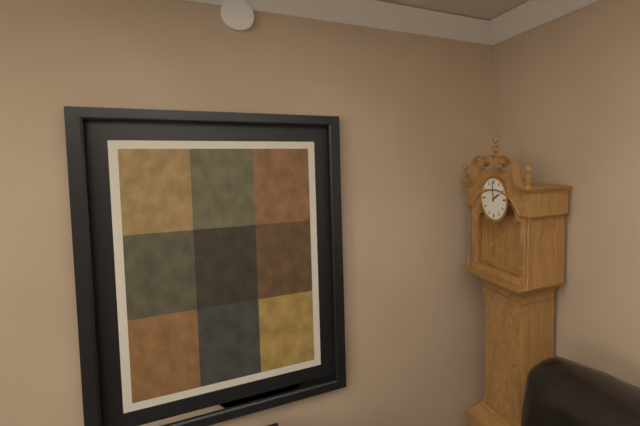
{"hour": 1, "minute": 59}
